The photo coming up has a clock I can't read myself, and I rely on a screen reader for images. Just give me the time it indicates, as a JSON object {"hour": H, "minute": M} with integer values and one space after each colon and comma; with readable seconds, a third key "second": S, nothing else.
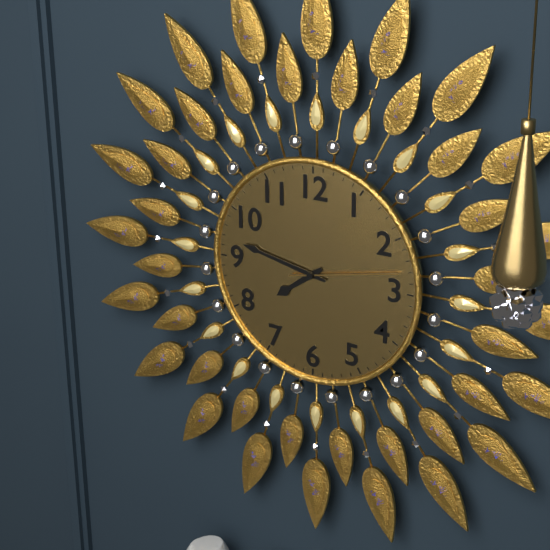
{"hour": 7, "minute": 47, "second": 13}
